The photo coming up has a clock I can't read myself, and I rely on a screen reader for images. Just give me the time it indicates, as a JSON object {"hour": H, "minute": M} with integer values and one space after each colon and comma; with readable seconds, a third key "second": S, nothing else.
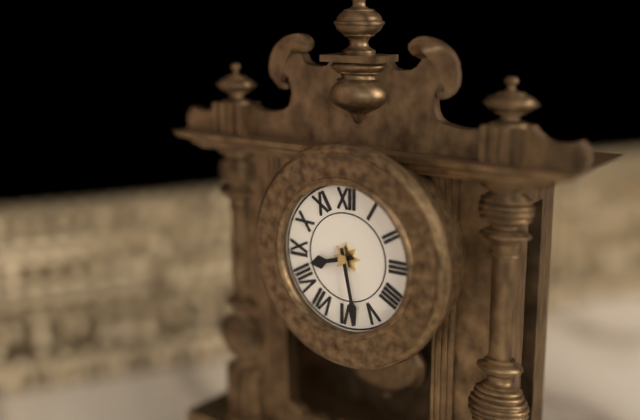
{"hour": 8, "minute": 28}
